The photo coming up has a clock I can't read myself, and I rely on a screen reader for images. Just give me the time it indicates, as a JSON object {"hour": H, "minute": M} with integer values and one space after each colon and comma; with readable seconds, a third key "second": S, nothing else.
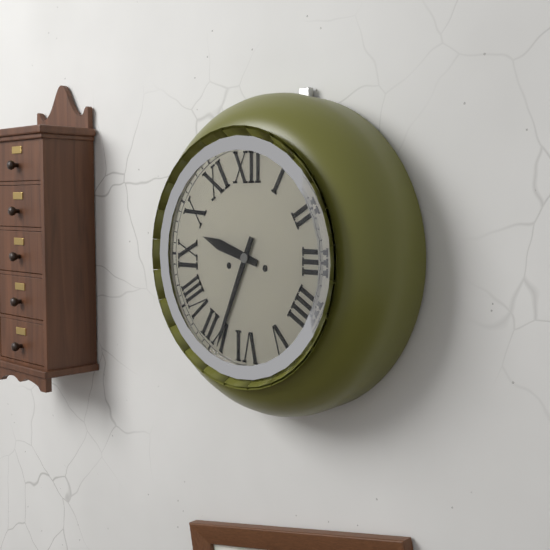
{"hour": 9, "minute": 34}
